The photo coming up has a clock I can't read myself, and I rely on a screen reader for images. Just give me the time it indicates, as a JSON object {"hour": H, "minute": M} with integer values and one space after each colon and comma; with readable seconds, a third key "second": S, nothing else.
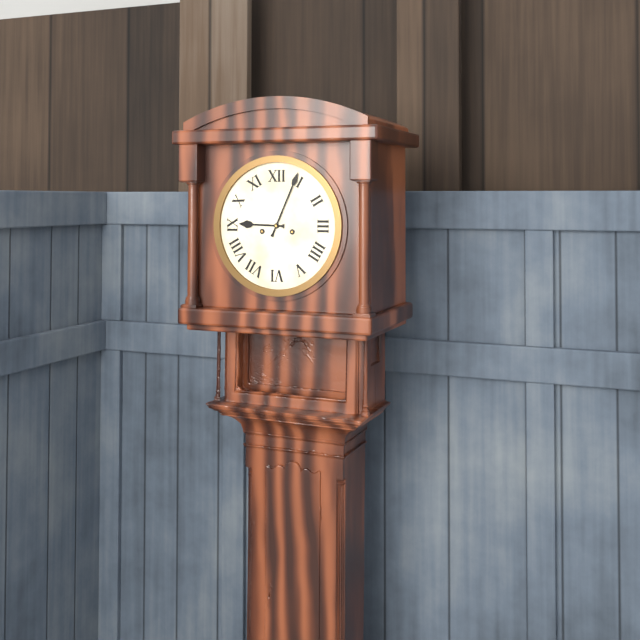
{"hour": 9, "minute": 4}
